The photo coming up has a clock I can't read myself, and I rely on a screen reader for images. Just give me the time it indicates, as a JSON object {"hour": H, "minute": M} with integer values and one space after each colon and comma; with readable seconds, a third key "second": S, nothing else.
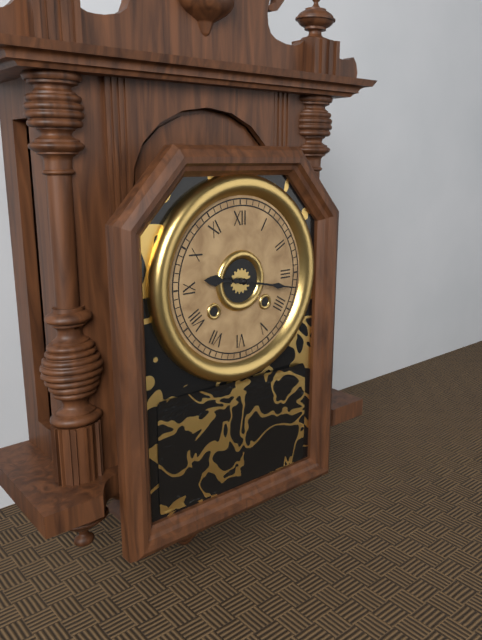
{"hour": 9, "minute": 17}
